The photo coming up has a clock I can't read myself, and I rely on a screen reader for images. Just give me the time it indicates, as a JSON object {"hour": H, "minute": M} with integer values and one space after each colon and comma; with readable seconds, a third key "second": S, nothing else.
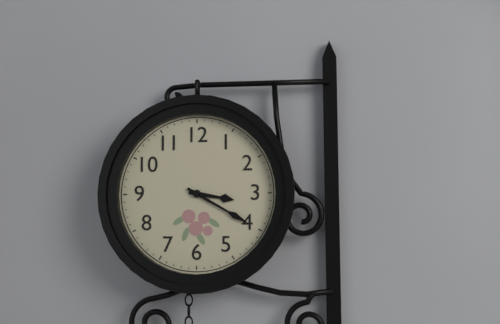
{"hour": 3, "minute": 20}
